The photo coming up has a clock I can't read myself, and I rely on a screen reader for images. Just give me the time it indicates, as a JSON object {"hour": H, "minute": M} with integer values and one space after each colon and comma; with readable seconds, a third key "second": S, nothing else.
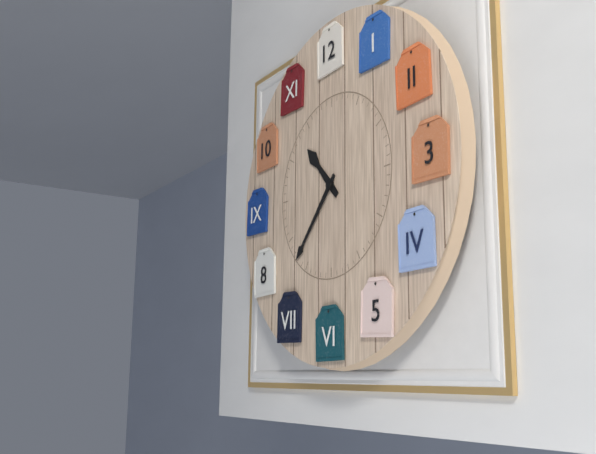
{"hour": 10, "minute": 37}
